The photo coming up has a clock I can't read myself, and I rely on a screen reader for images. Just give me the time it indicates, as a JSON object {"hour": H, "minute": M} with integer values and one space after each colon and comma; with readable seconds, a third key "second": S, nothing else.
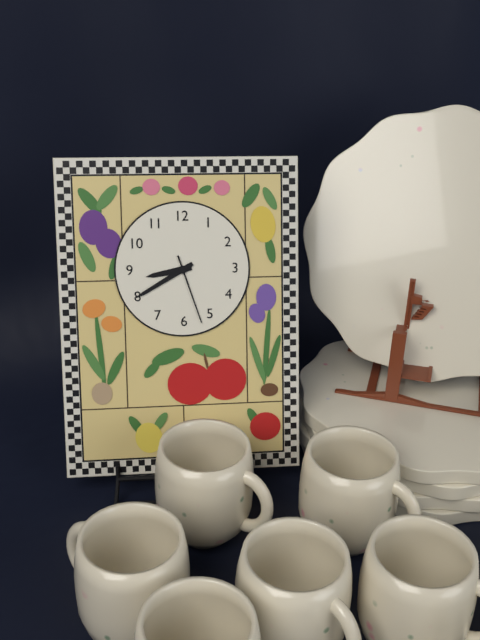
{"hour": 8, "minute": 40, "second": 27}
